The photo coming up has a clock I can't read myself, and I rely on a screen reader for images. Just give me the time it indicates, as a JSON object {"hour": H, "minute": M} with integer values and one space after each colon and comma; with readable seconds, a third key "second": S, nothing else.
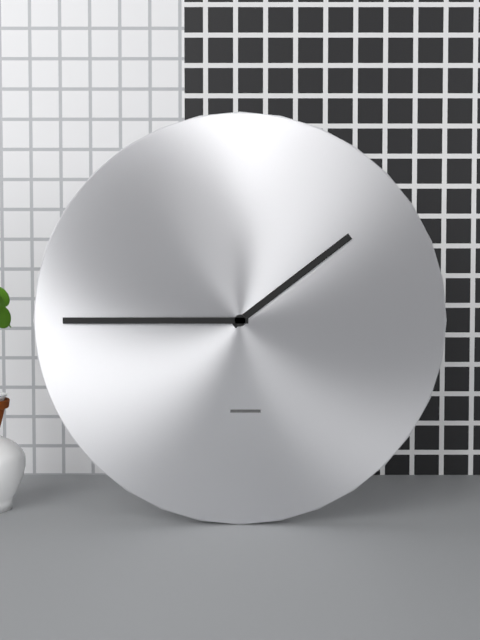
{"hour": 1, "minute": 45}
